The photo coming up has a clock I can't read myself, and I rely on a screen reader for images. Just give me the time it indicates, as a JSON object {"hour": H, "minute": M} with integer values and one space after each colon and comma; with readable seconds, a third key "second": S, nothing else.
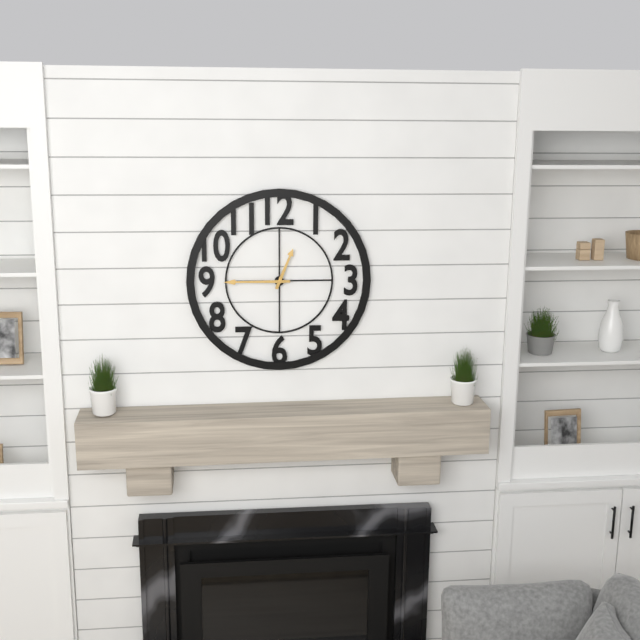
{"hour": 12, "minute": 45}
